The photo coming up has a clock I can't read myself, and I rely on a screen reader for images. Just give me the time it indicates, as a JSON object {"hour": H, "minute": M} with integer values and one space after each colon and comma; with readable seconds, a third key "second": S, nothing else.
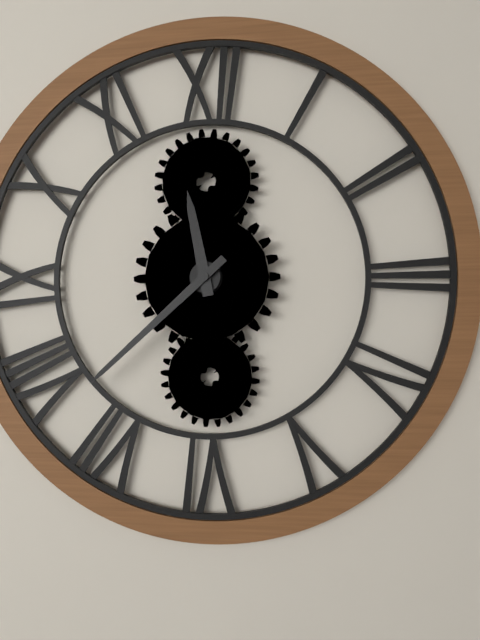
{"hour": 11, "minute": 38}
